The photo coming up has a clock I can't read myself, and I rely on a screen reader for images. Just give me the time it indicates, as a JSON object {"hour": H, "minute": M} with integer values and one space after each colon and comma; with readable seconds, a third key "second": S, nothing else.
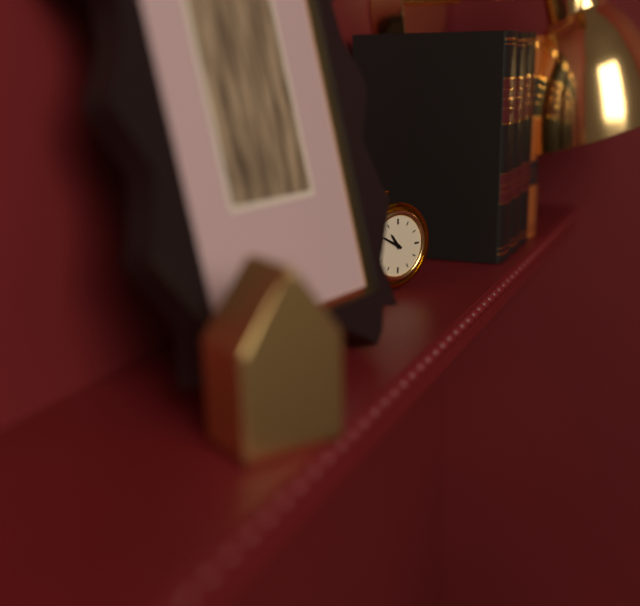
{"hour": 10, "minute": 50}
